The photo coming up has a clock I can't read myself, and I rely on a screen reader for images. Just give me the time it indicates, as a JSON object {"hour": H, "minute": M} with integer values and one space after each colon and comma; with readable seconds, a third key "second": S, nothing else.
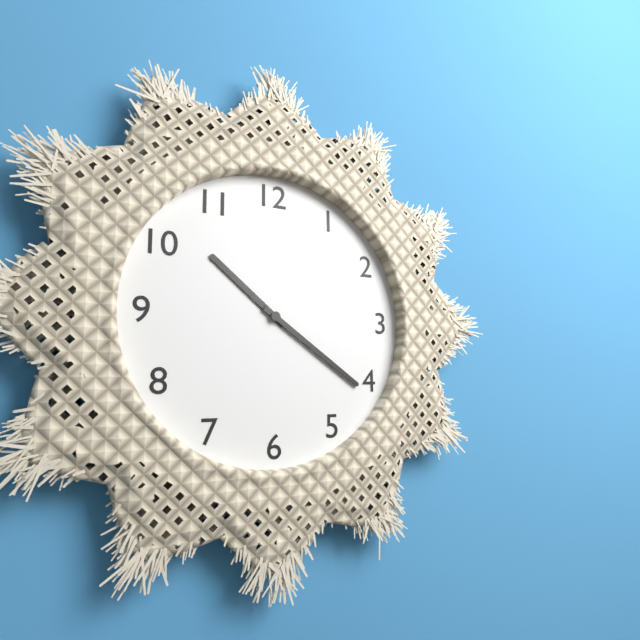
{"hour": 10, "minute": 21}
